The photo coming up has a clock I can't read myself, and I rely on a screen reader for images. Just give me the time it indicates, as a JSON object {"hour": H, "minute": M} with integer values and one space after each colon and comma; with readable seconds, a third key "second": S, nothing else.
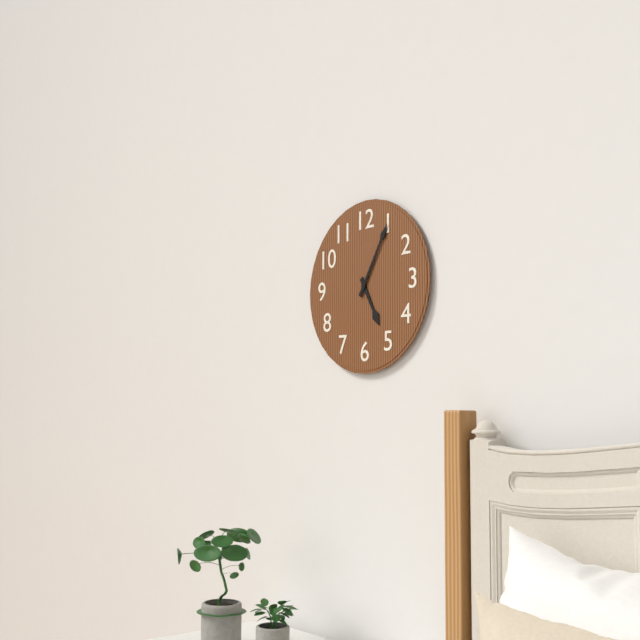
{"hour": 5, "minute": 5}
